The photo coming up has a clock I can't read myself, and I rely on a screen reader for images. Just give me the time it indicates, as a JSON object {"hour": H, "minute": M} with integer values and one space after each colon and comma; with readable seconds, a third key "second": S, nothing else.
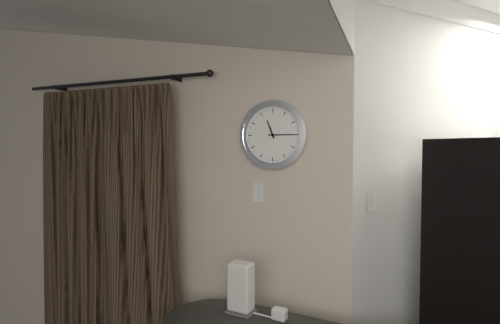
{"hour": 11, "minute": 15}
